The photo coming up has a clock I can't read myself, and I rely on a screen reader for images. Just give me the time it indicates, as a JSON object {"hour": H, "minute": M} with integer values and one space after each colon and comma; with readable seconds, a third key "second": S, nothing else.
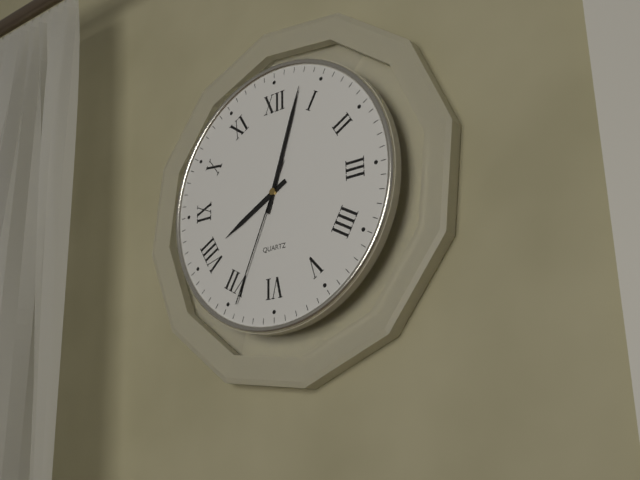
{"hour": 8, "minute": 3, "second": 34}
